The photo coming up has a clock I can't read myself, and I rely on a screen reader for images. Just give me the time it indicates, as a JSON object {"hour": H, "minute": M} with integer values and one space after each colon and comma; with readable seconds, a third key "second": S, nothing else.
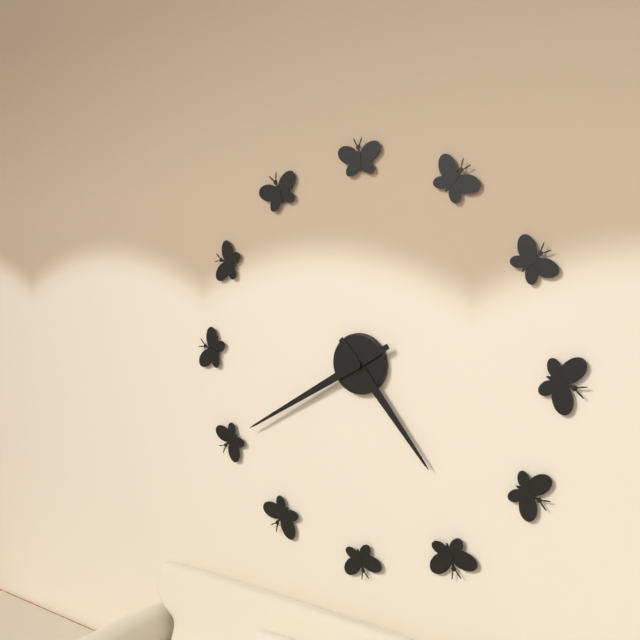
{"hour": 4, "minute": 40}
